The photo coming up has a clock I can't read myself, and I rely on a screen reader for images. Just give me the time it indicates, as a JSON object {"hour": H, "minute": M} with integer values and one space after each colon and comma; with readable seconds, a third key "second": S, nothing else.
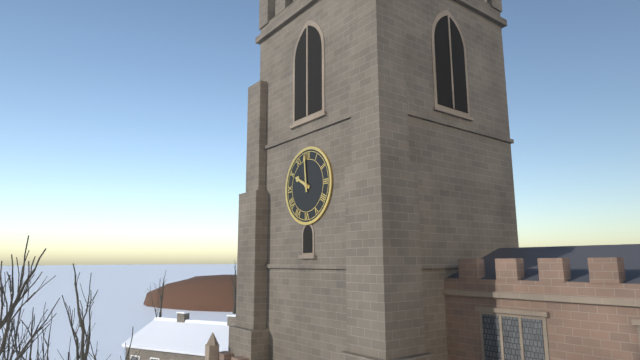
{"hour": 9, "minute": 59}
